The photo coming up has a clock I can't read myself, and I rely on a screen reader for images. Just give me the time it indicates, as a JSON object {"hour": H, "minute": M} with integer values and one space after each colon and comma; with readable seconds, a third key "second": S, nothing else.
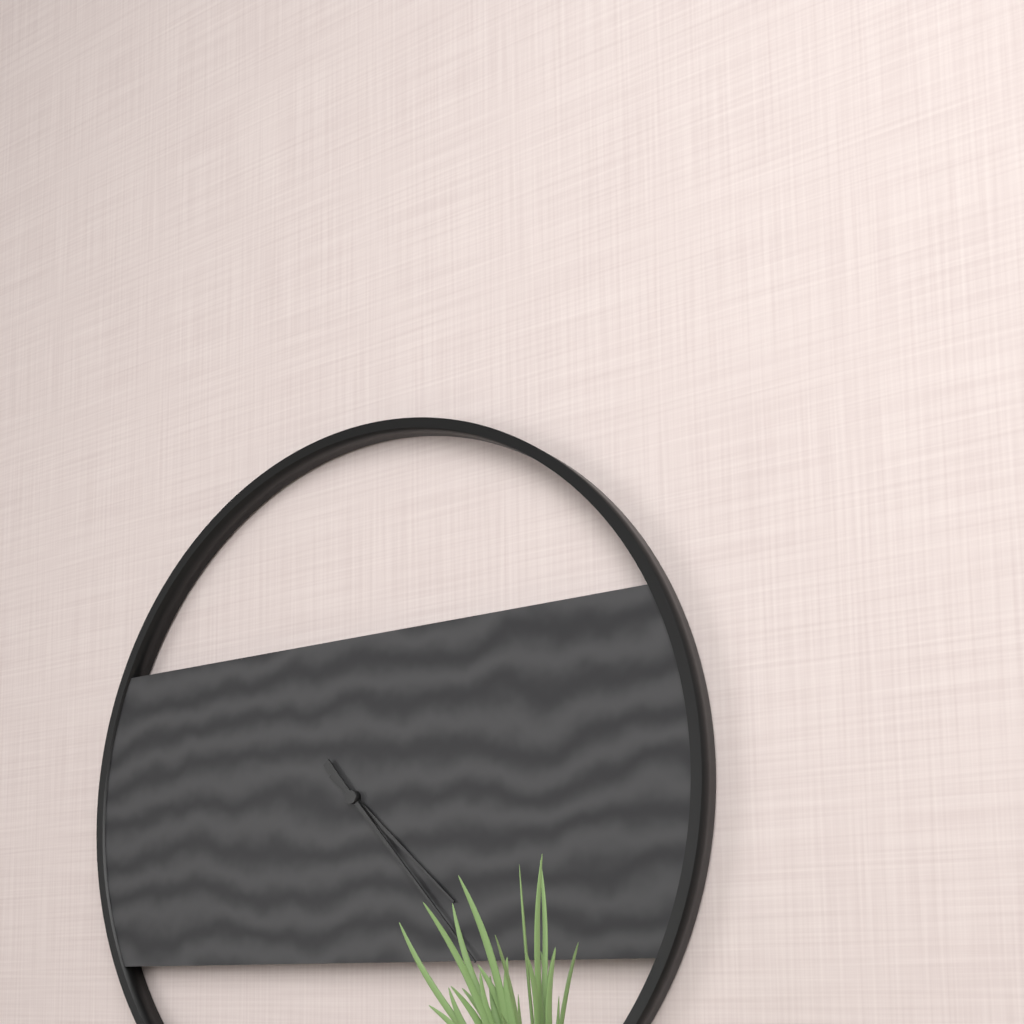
{"hour": 4, "minute": 23}
